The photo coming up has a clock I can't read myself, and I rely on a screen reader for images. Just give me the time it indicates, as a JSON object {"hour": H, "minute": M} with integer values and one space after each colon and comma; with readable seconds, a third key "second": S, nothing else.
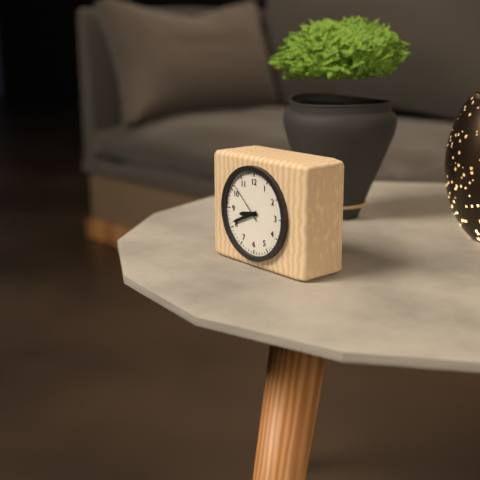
{"hour": 8, "minute": 41}
